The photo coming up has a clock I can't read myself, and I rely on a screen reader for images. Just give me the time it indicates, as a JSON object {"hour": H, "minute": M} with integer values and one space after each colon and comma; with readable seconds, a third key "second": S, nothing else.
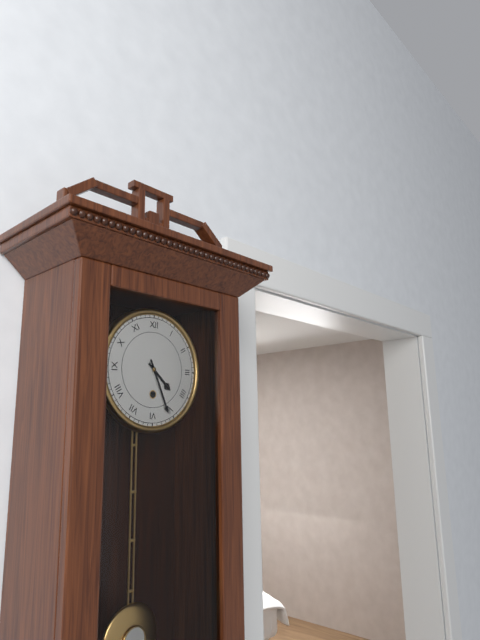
{"hour": 4, "minute": 26}
